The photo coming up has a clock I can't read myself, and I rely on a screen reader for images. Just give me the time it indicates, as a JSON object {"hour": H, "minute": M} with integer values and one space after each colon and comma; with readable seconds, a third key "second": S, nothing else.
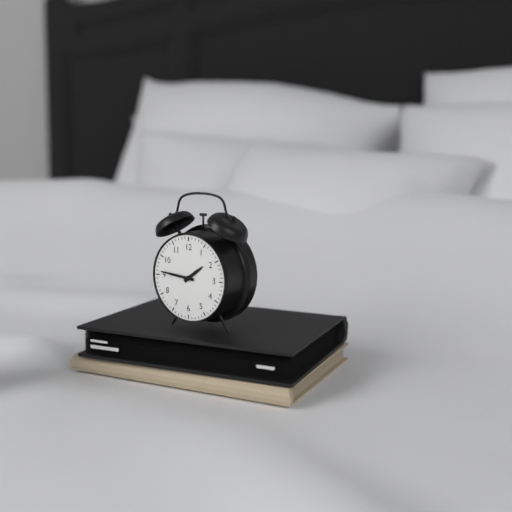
{"hour": 1, "minute": 46}
